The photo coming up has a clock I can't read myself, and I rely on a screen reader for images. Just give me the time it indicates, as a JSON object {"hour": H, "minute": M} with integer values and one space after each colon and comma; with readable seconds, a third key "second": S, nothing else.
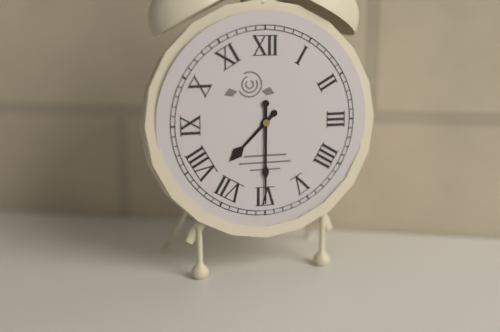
{"hour": 7, "minute": 30}
